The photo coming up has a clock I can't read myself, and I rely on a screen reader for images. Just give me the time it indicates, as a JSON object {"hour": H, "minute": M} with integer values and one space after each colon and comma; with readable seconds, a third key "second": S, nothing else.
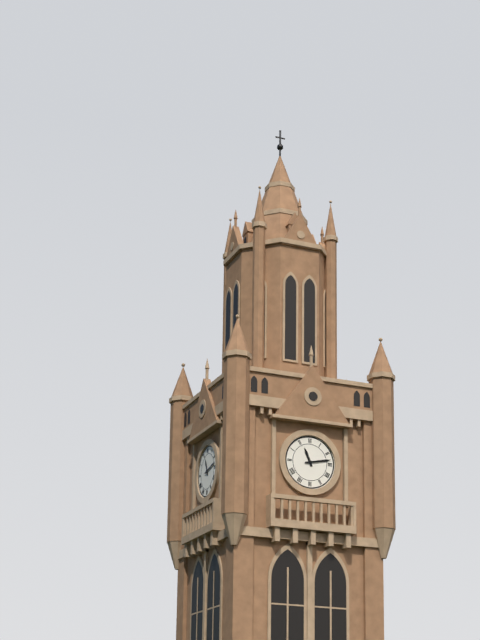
{"hour": 11, "minute": 13}
